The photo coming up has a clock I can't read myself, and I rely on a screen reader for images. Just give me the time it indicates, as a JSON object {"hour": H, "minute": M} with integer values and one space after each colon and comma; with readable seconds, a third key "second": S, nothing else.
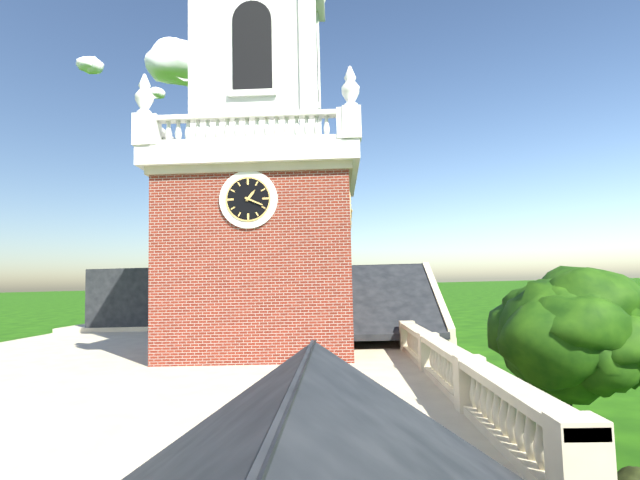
{"hour": 1, "minute": 19}
